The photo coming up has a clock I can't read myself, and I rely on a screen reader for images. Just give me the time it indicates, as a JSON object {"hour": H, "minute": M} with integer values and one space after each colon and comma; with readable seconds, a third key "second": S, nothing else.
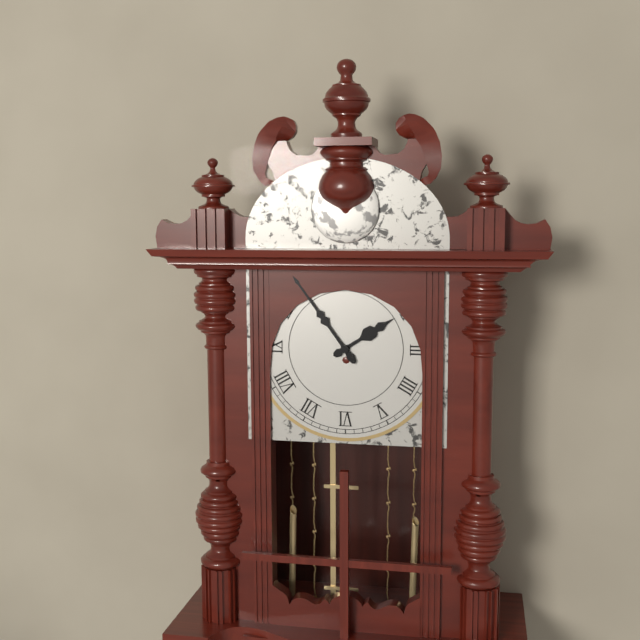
{"hour": 1, "minute": 54}
